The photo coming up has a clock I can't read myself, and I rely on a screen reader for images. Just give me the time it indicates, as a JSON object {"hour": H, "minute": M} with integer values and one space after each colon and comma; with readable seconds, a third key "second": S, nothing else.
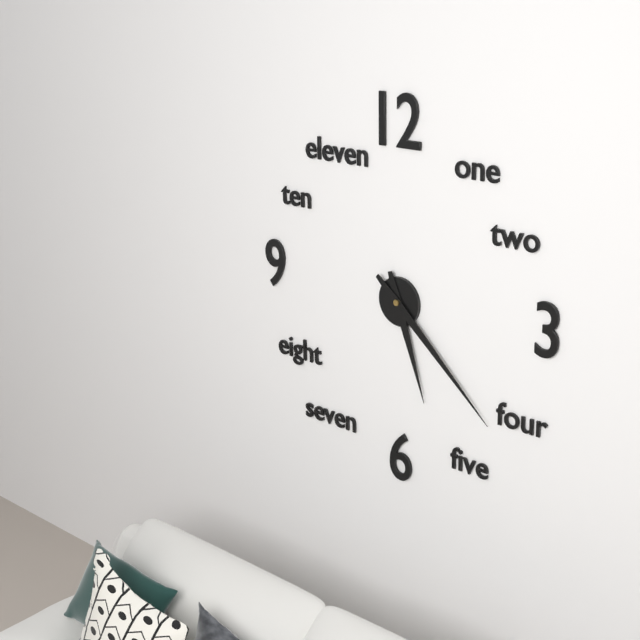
{"hour": 5, "minute": 22}
